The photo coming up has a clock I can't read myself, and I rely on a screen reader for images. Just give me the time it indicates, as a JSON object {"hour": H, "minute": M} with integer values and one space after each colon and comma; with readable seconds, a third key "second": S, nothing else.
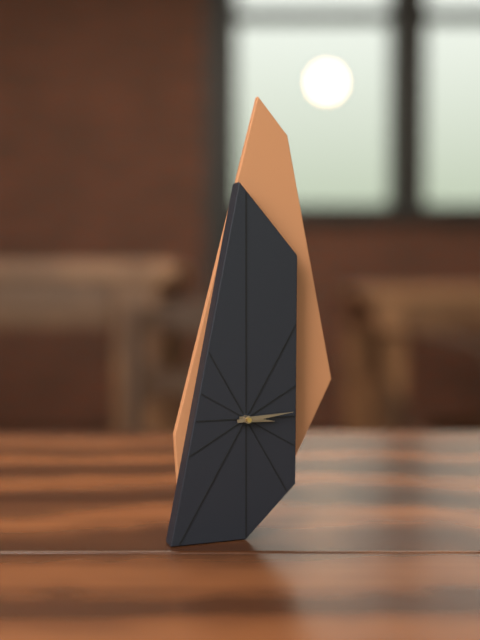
{"hour": 3, "minute": 14}
